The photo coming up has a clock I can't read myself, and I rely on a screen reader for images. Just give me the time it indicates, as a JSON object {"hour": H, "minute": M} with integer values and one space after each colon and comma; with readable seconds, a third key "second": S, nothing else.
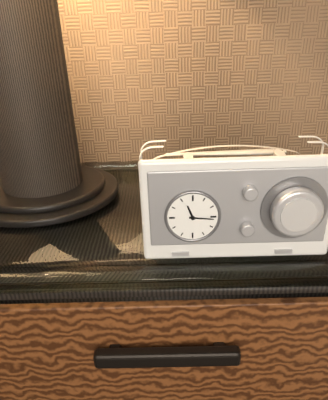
{"hour": 11, "minute": 16}
